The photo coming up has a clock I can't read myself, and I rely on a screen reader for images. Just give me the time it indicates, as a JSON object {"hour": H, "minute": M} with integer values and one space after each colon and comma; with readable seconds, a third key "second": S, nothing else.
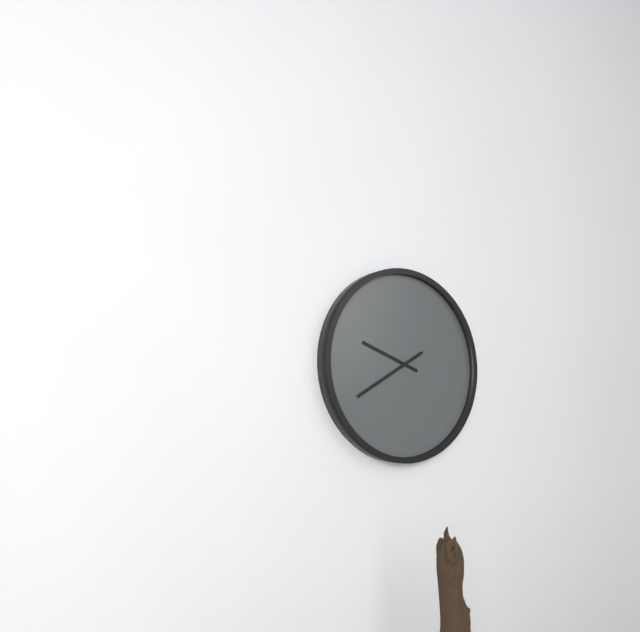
{"hour": 9, "minute": 40}
